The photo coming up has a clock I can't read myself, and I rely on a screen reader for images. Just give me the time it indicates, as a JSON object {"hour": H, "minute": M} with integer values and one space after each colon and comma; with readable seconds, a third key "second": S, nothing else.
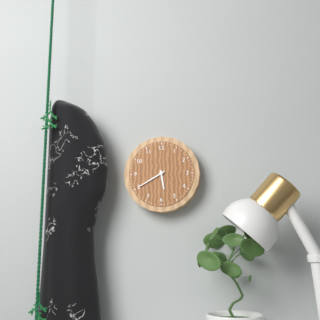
{"hour": 5, "minute": 40}
